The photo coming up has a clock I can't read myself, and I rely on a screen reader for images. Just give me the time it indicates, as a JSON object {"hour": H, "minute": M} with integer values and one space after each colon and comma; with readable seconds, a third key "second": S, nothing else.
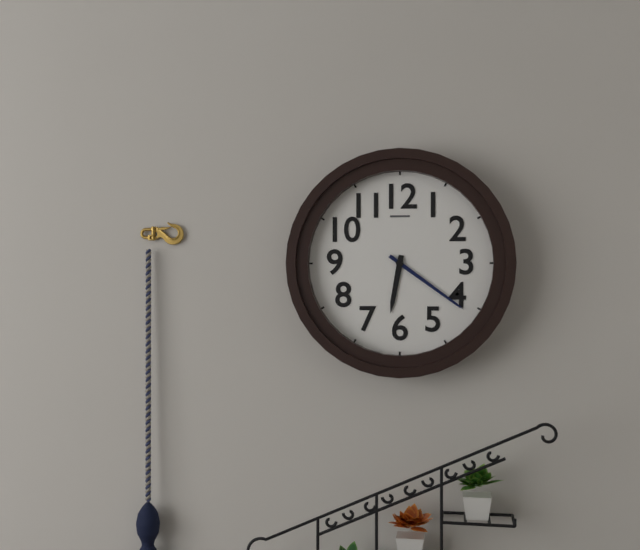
{"hour": 6, "minute": 21}
